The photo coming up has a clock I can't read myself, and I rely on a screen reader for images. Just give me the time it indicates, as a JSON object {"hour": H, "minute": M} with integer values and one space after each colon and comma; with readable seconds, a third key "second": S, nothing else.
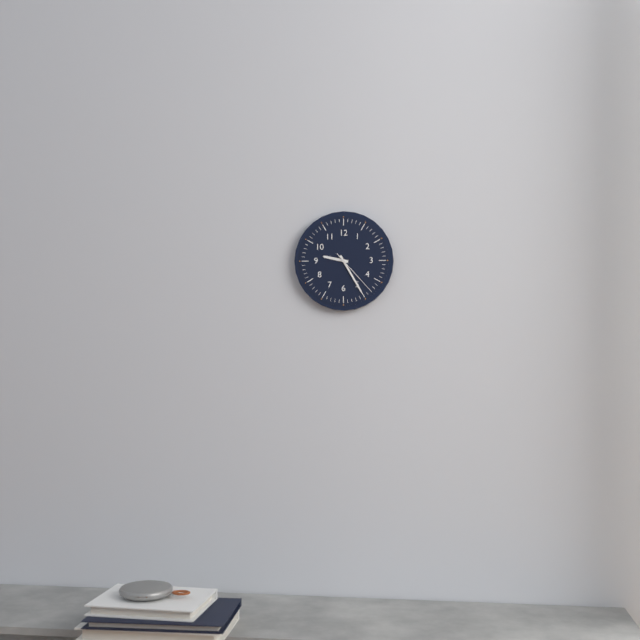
{"hour": 9, "minute": 25}
